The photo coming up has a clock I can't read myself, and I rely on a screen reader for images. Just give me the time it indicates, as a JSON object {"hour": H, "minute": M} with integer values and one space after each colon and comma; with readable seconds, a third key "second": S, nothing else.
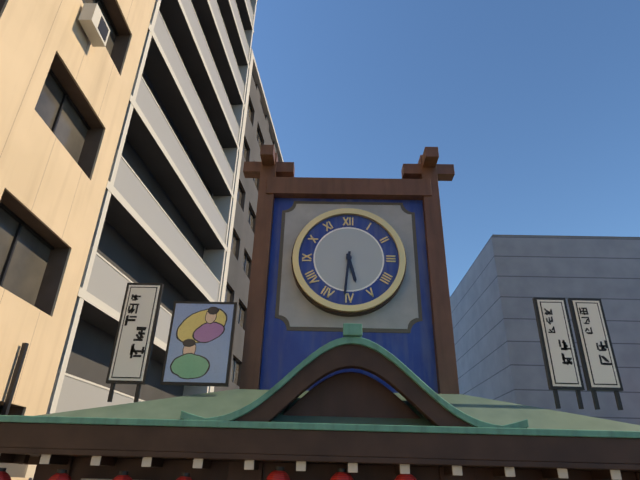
{"hour": 5, "minute": 31}
